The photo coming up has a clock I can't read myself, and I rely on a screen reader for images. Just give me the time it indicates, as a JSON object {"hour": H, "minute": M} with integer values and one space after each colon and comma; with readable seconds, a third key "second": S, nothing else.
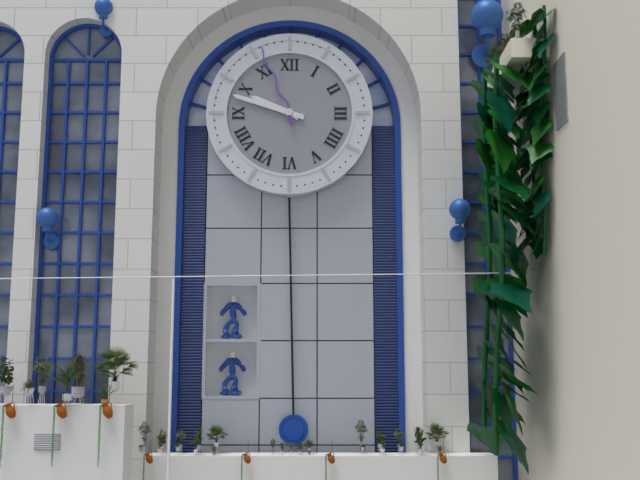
{"hour": 9, "minute": 48, "second": 56}
